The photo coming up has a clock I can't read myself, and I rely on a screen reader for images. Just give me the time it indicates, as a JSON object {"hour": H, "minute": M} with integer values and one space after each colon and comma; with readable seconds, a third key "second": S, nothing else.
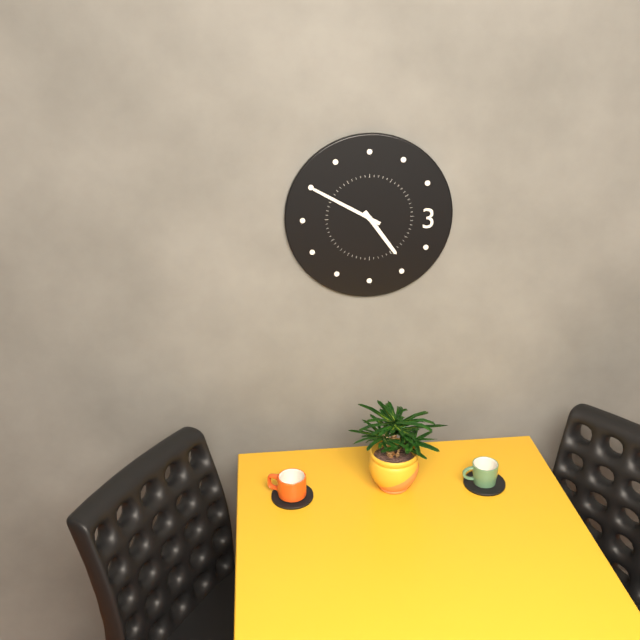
{"hour": 4, "minute": 50}
